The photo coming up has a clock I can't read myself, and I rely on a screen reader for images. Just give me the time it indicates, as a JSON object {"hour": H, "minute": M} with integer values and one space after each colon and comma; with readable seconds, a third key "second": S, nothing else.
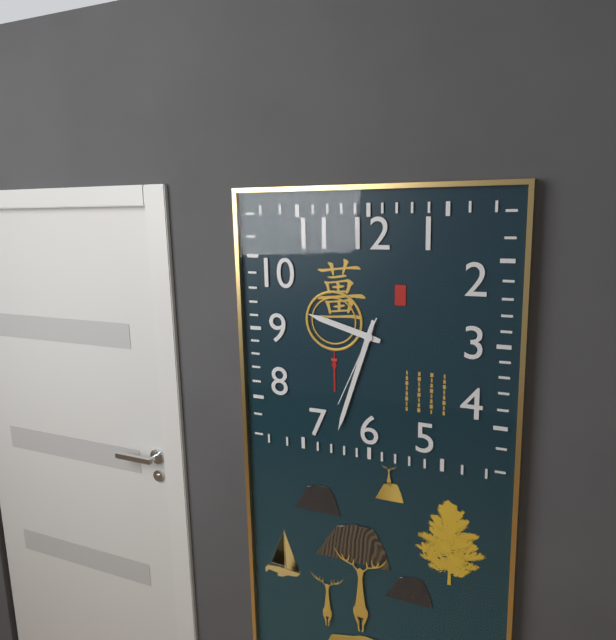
{"hour": 9, "minute": 33, "second": 34}
